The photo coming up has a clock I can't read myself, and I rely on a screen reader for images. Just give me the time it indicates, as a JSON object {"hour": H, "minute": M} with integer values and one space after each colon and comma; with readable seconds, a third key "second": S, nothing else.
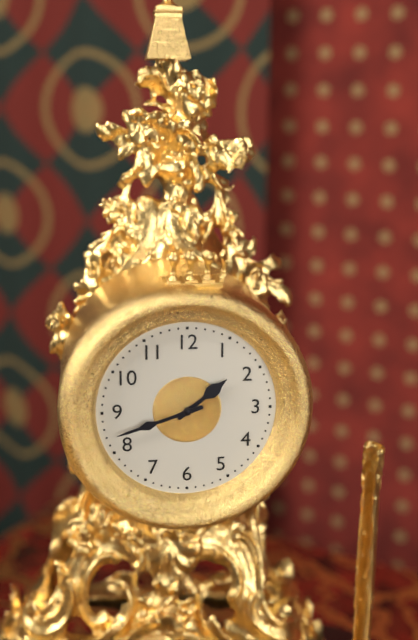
{"hour": 1, "minute": 42}
